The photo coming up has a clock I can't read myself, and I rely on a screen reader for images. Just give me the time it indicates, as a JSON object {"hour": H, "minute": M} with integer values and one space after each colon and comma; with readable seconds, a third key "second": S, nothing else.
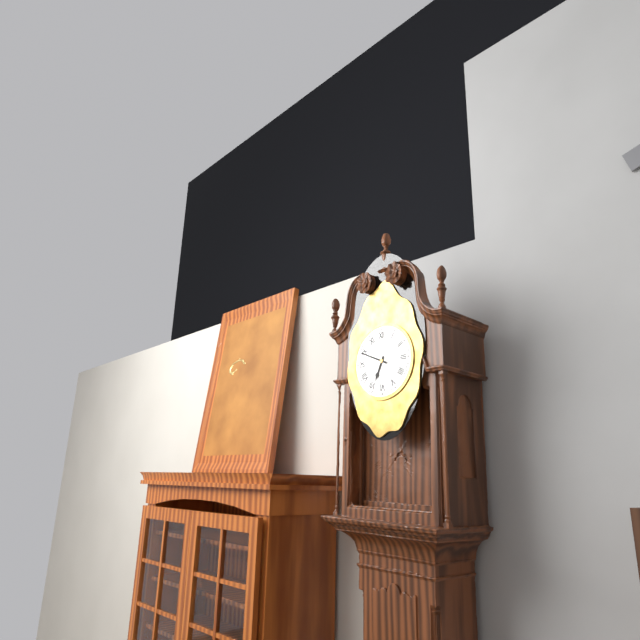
{"hour": 6, "minute": 49}
